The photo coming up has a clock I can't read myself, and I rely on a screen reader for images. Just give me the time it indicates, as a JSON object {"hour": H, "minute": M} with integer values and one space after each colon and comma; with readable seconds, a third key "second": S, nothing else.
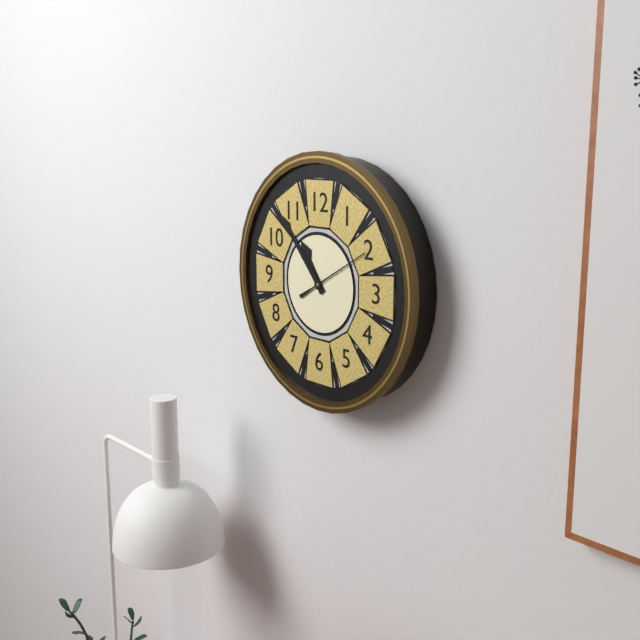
{"hour": 10, "minute": 53, "second": 10}
